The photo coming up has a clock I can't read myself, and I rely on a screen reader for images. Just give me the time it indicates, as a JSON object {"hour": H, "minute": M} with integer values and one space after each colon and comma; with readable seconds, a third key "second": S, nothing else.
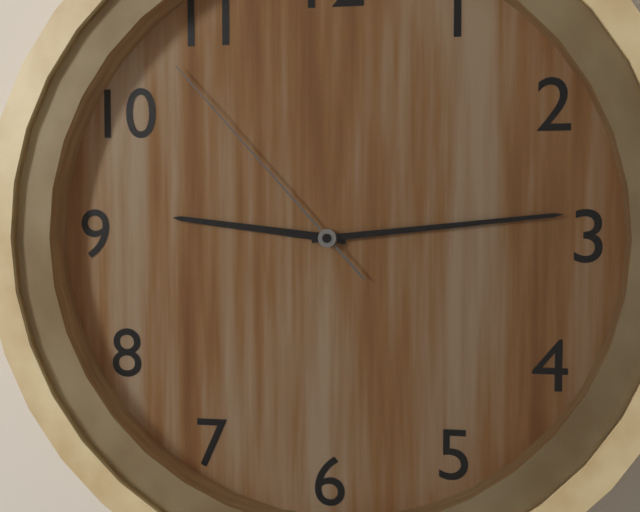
{"hour": 9, "minute": 14, "second": 53}
